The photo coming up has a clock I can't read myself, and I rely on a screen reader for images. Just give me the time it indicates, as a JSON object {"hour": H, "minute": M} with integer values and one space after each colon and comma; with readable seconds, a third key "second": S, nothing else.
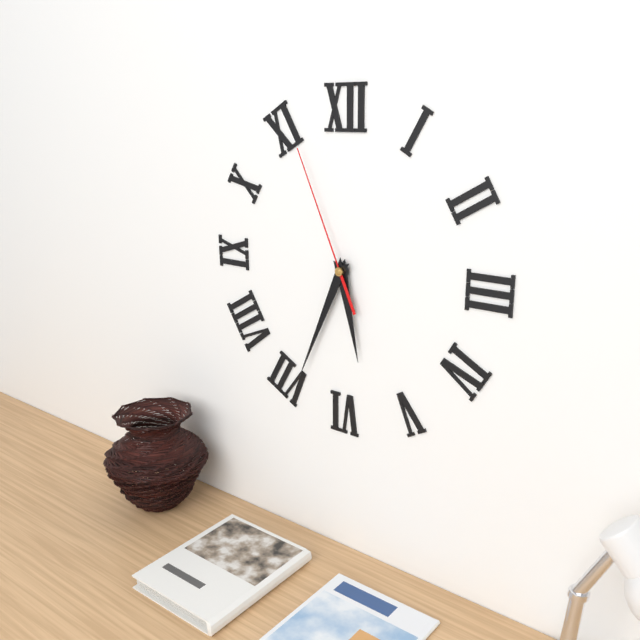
{"hour": 5, "minute": 34, "second": 56}
